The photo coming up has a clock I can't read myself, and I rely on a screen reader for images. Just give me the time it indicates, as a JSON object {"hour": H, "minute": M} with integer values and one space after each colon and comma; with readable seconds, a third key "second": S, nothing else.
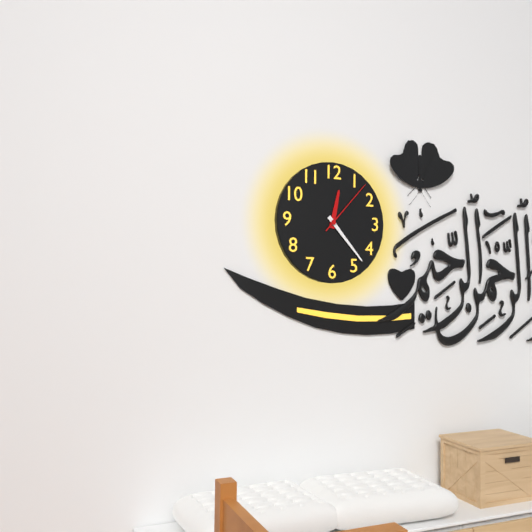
{"hour": 12, "minute": 23, "second": 7}
